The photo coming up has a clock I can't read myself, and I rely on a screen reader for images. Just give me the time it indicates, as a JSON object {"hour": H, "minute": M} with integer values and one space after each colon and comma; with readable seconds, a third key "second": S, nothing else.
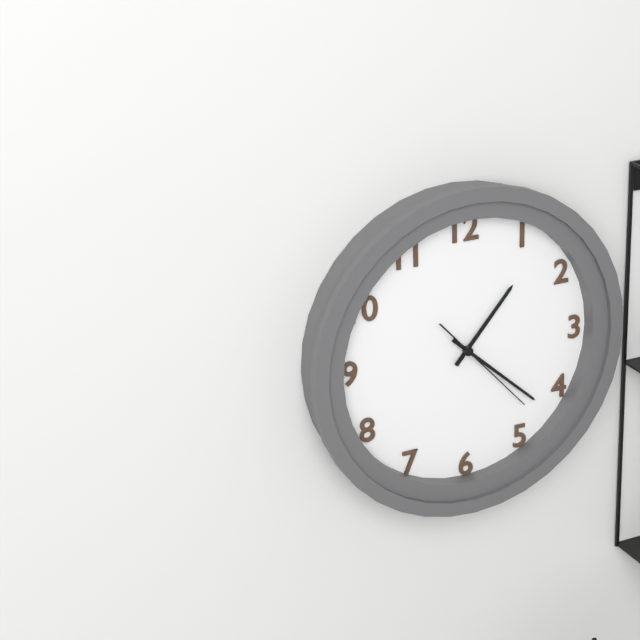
{"hour": 1, "minute": 22, "second": 23}
